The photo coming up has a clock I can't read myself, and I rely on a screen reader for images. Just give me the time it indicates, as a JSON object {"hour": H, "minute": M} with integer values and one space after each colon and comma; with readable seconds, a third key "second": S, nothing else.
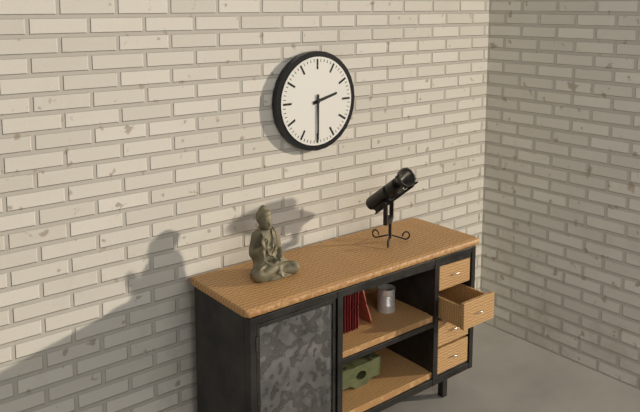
{"hour": 2, "minute": 30}
